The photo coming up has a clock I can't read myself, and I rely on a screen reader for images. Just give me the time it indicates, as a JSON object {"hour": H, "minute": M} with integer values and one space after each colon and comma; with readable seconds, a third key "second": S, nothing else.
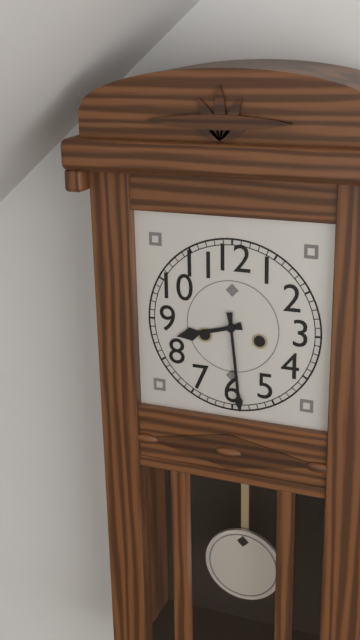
{"hour": 8, "minute": 29}
